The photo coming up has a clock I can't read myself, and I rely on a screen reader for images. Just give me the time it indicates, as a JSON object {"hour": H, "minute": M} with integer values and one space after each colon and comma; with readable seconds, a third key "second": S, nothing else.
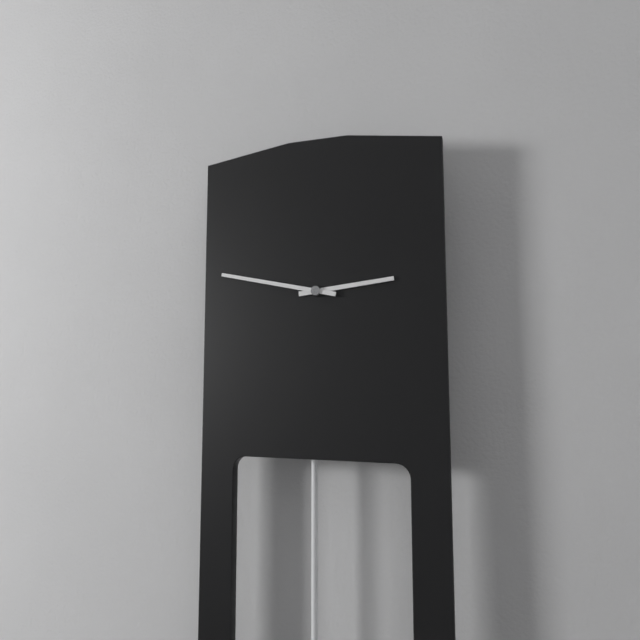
{"hour": 2, "minute": 47}
